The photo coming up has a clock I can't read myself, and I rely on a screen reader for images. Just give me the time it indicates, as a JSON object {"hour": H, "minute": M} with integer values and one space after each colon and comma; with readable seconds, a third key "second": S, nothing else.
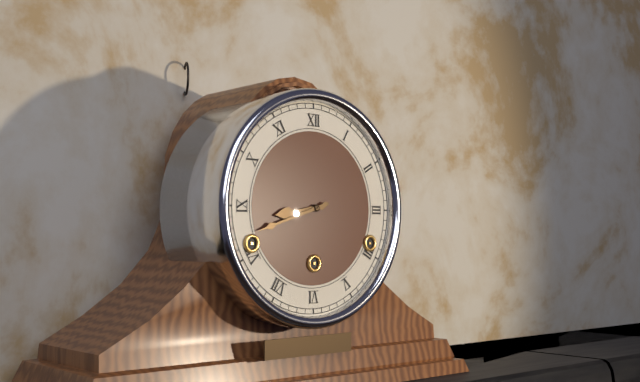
{"hour": 8, "minute": 42}
